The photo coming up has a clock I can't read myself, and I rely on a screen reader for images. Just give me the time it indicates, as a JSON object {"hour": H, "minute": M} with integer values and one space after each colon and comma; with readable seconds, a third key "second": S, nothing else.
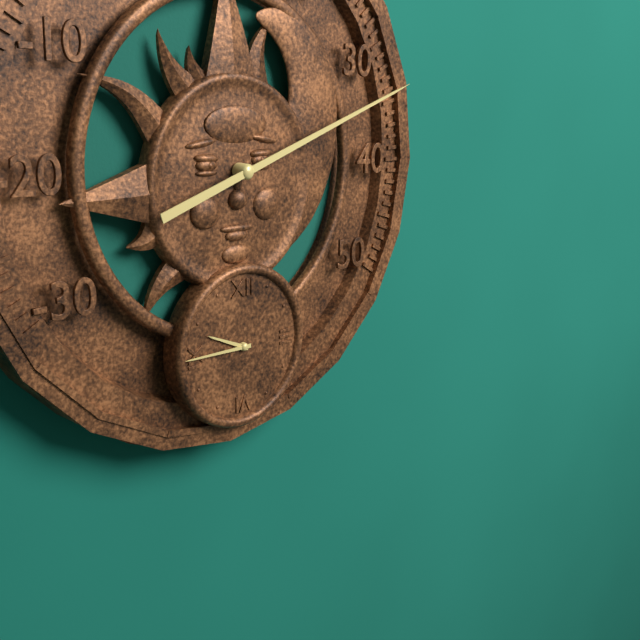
{"hour": 9, "minute": 45}
